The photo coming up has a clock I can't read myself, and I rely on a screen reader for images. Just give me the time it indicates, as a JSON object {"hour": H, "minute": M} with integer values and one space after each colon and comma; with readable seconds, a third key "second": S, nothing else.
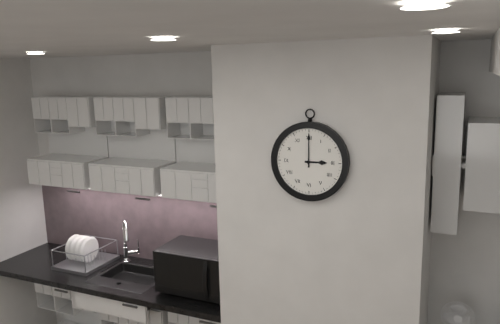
{"hour": 3, "minute": 0}
